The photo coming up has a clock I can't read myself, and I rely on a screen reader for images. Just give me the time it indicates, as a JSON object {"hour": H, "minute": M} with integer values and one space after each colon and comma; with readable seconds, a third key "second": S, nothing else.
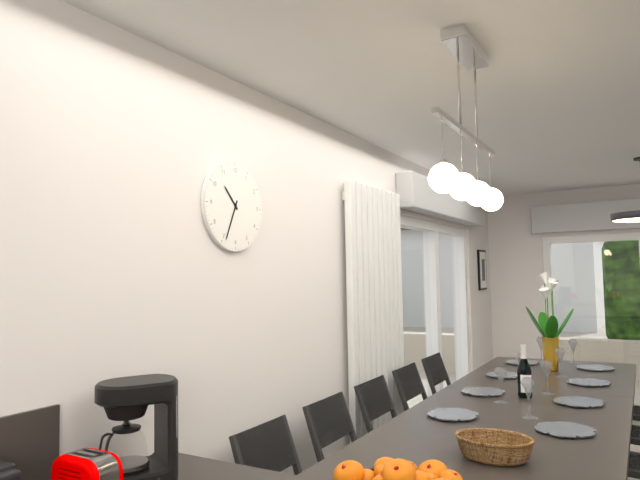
{"hour": 10, "minute": 34}
